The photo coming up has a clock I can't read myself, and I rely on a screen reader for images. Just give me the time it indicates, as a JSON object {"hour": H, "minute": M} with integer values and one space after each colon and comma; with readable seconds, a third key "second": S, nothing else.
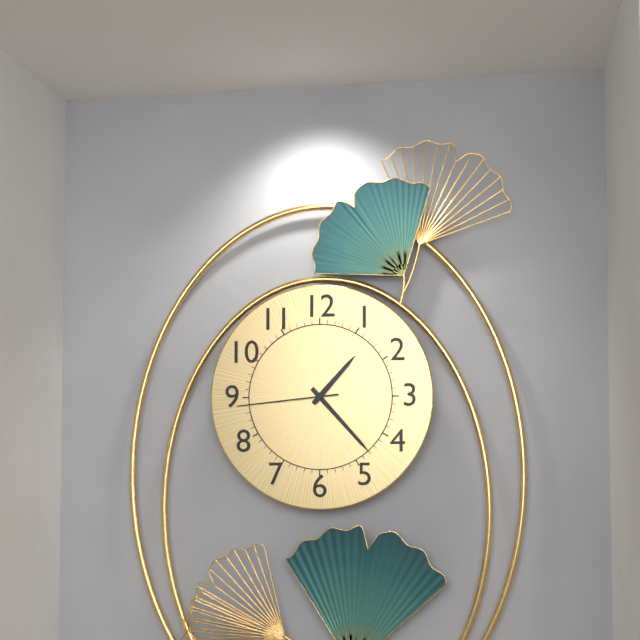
{"hour": 1, "minute": 23, "second": 44}
